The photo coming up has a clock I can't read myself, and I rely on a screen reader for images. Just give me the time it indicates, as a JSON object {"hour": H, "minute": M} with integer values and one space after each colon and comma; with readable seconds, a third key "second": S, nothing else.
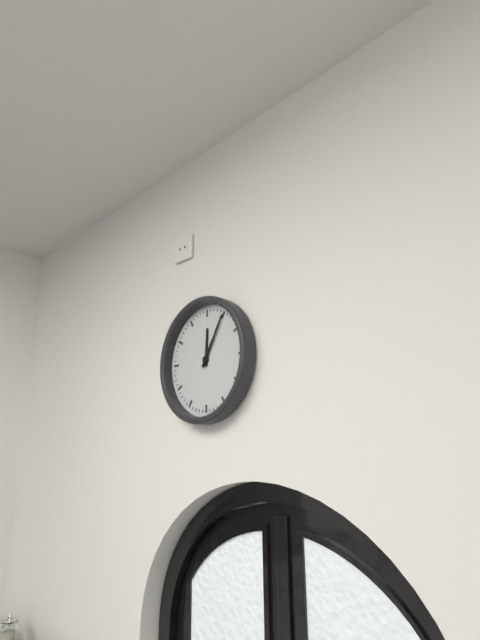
{"hour": 12, "minute": 5}
